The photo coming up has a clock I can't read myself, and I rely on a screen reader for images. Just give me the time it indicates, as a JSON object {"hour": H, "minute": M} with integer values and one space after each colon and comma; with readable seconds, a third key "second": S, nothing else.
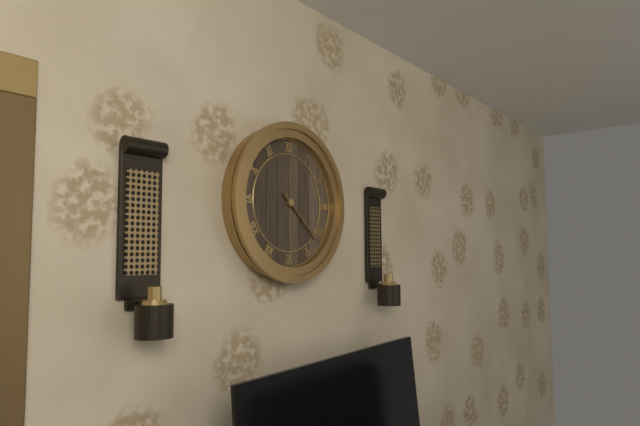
{"hour": 4, "minute": 22}
